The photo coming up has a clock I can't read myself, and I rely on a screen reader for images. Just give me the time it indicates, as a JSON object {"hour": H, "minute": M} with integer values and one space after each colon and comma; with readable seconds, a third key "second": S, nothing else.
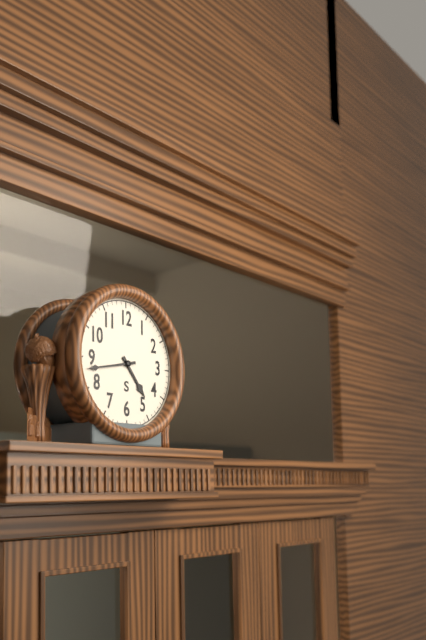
{"hour": 4, "minute": 43}
